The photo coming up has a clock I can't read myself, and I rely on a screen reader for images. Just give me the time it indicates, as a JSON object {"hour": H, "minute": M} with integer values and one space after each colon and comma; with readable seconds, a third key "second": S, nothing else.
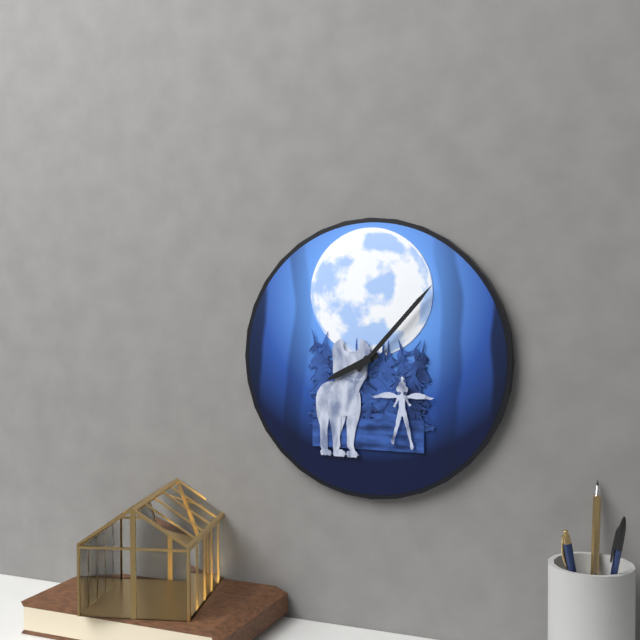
{"hour": 8, "minute": 7}
